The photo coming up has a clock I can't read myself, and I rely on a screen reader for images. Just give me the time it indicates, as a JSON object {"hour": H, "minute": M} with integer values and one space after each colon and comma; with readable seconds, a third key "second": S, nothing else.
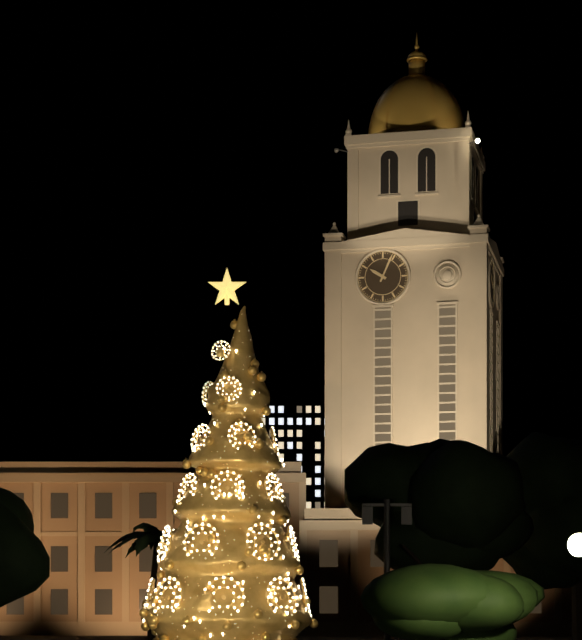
{"hour": 10, "minute": 4}
